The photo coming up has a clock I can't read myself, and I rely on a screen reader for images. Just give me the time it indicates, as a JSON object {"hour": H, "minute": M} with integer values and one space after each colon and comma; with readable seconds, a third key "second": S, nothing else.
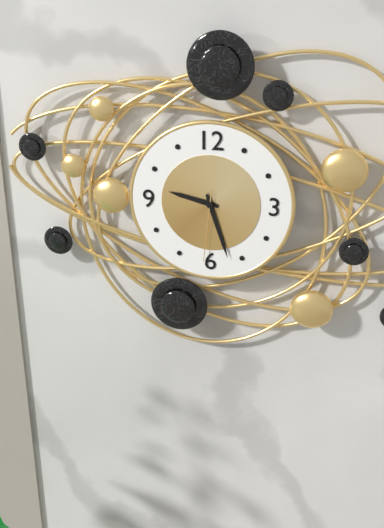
{"hour": 9, "minute": 27, "second": 31}
